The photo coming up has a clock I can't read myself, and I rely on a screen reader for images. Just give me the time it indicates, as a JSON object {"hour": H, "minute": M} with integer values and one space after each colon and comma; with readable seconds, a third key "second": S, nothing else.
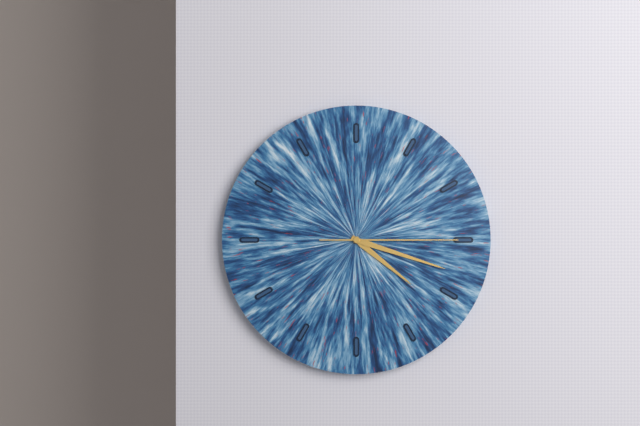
{"hour": 4, "minute": 18, "second": 15}
